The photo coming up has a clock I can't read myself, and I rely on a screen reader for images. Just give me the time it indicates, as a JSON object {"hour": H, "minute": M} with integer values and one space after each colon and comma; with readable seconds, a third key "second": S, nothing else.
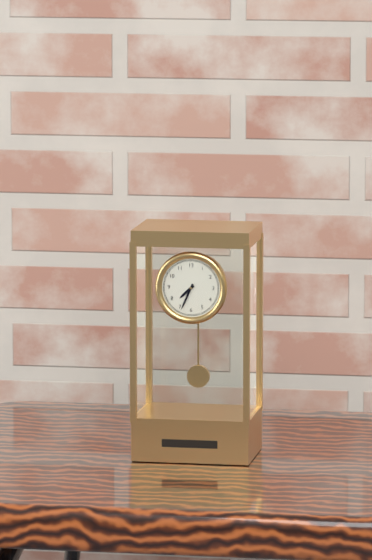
{"hour": 7, "minute": 34}
